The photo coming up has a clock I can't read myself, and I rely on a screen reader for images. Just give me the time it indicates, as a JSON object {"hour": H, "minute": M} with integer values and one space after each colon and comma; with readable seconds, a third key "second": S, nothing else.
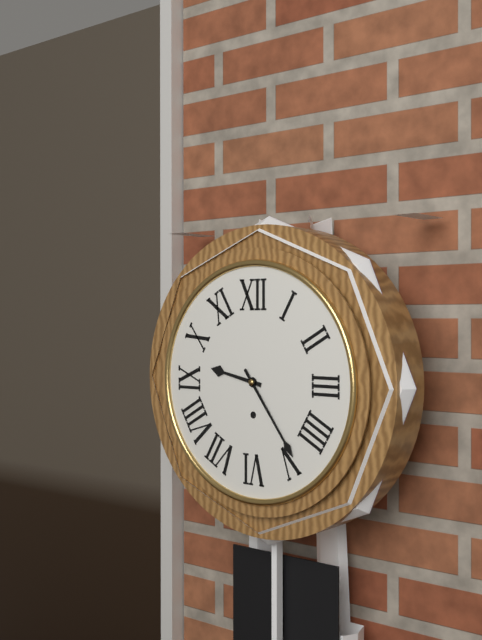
{"hour": 9, "minute": 24}
